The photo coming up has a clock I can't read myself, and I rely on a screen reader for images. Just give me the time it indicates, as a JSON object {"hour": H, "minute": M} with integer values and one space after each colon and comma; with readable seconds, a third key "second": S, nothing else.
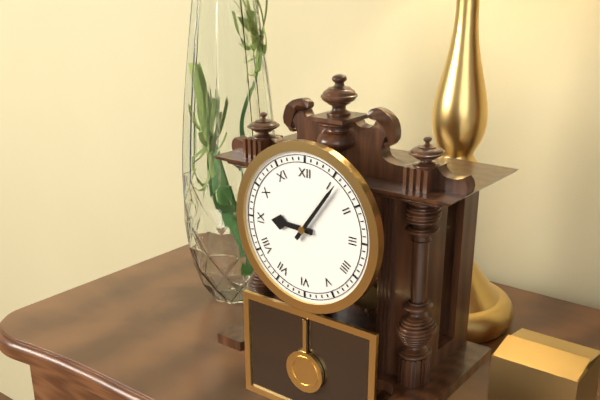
{"hour": 9, "minute": 6}
